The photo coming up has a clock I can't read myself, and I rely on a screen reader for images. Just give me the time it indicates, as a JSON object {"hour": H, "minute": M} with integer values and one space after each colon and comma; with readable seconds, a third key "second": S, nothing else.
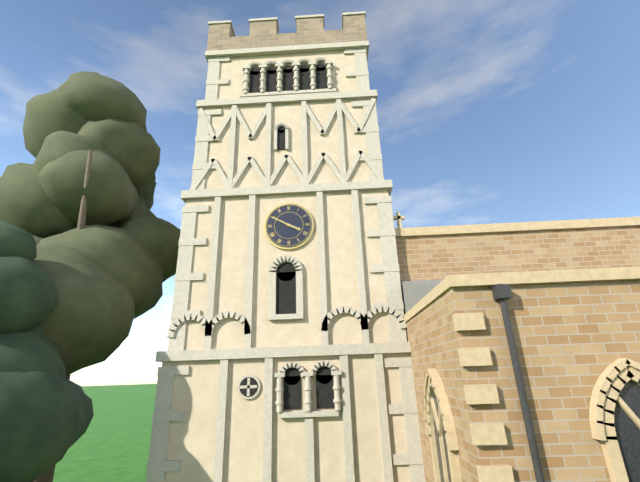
{"hour": 3, "minute": 50}
